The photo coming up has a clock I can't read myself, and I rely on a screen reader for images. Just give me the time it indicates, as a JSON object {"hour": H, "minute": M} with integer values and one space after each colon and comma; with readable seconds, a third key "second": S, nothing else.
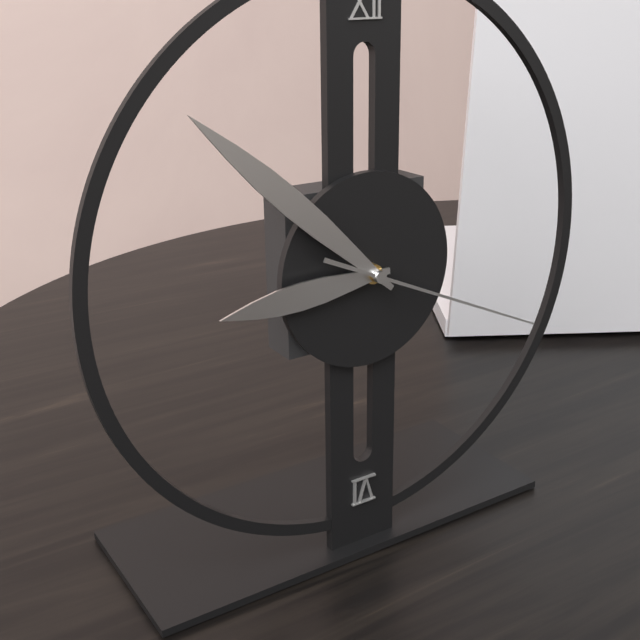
{"hour": 8, "minute": 52, "second": 19}
